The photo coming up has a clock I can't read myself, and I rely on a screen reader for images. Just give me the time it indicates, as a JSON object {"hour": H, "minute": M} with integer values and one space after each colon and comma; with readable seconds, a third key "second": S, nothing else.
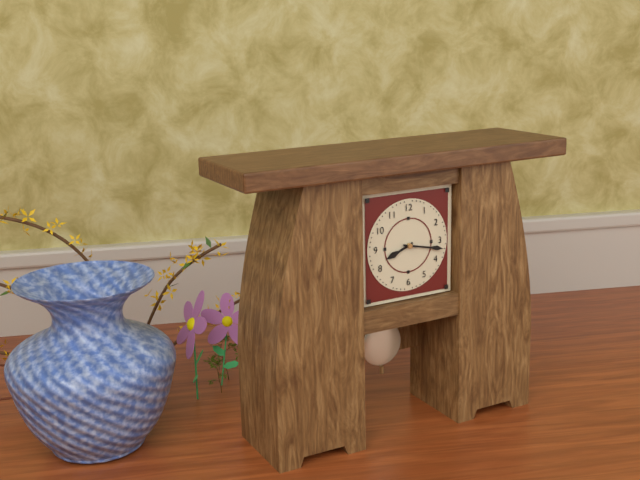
{"hour": 8, "minute": 17}
